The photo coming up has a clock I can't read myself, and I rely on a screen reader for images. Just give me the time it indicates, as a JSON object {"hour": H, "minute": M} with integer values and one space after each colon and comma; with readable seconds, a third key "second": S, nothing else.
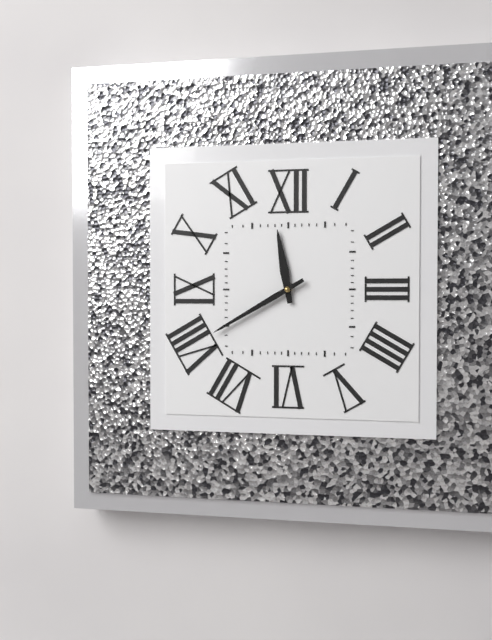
{"hour": 11, "minute": 40}
